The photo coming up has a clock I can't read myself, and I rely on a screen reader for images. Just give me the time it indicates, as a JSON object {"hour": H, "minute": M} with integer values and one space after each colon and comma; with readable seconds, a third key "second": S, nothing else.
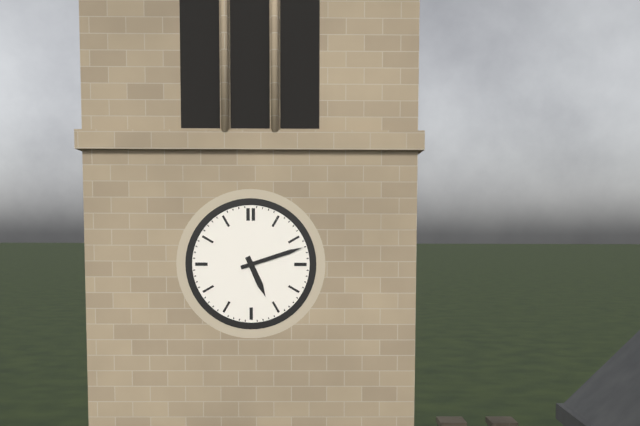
{"hour": 5, "minute": 12}
